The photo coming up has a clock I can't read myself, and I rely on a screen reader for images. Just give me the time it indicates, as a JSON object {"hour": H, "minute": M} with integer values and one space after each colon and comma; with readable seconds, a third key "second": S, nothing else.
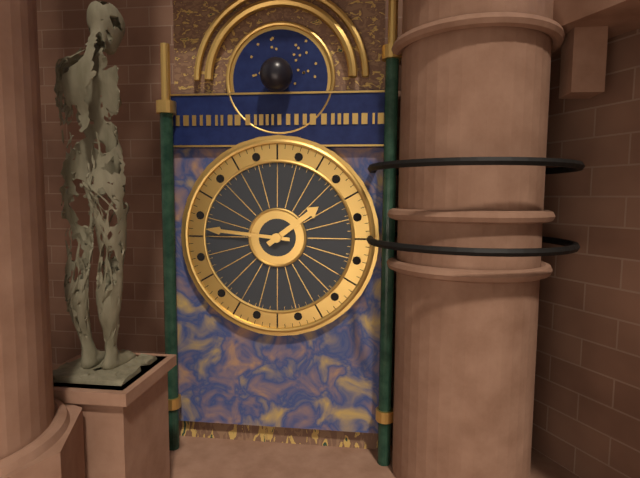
{"hour": 1, "minute": 46}
